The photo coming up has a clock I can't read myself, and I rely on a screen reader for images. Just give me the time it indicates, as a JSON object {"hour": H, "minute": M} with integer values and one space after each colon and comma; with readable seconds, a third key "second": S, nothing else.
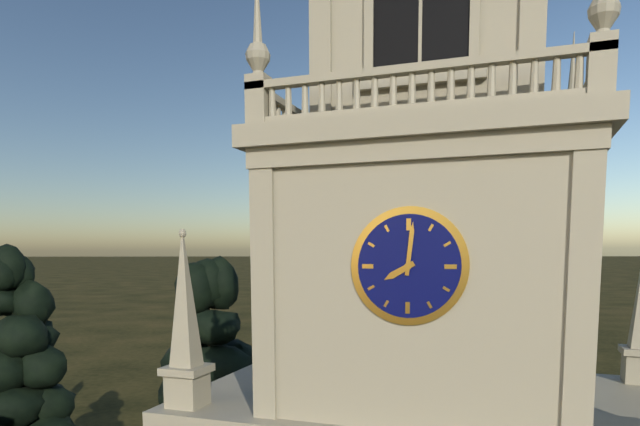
{"hour": 8, "minute": 1}
